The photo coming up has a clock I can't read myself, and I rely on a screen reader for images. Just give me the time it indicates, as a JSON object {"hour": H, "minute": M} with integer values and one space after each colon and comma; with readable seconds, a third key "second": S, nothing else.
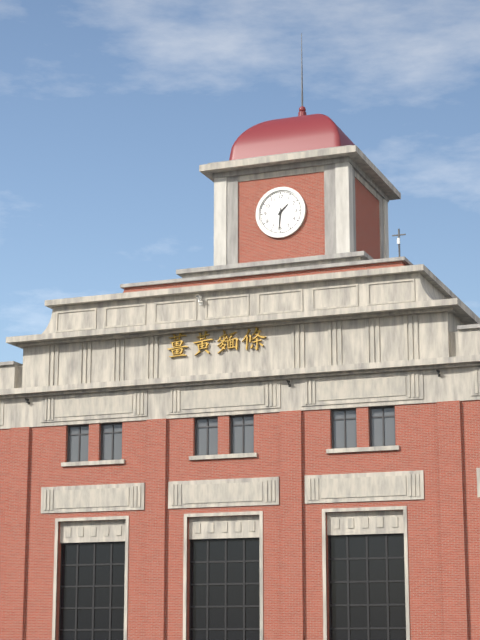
{"hour": 1, "minute": 31}
